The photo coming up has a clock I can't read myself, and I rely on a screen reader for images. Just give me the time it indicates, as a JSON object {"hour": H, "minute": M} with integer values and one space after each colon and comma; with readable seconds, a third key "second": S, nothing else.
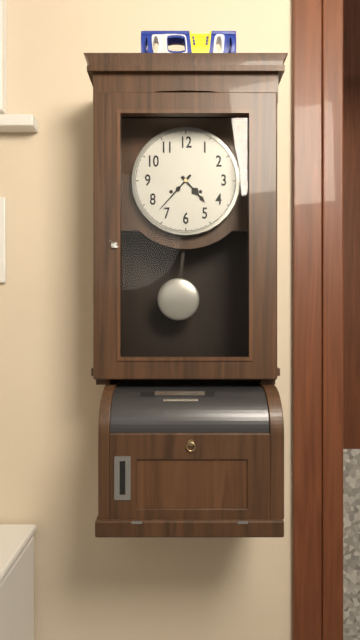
{"hour": 4, "minute": 37}
